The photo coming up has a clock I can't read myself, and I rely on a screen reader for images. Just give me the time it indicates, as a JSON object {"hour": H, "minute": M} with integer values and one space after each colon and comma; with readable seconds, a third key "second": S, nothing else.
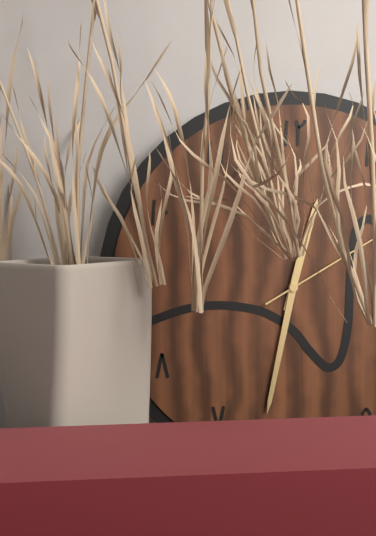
{"hour": 12, "minute": 32}
